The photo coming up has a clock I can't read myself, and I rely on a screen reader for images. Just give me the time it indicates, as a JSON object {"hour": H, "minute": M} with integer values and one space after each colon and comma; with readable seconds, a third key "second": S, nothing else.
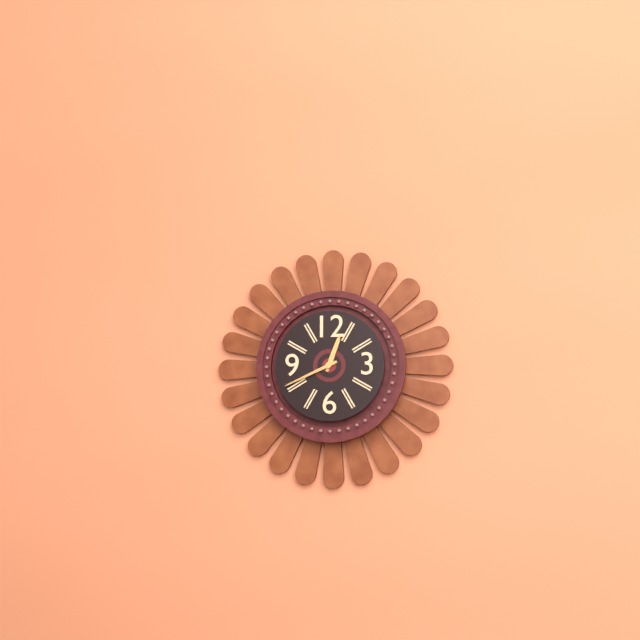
{"hour": 12, "minute": 41}
